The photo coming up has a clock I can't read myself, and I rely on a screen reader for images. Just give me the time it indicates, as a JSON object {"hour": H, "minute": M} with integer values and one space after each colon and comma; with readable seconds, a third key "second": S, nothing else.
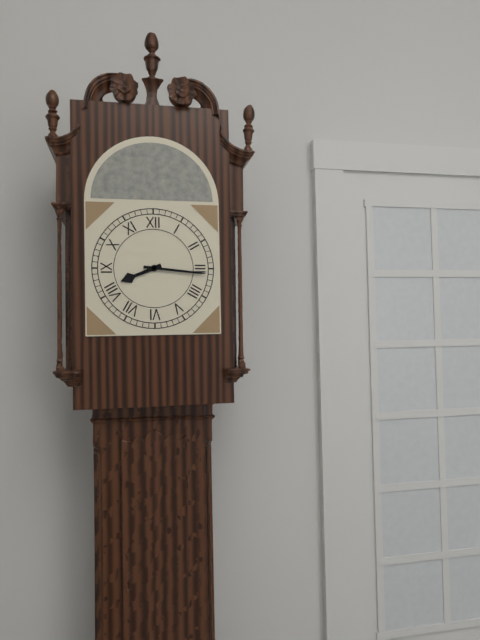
{"hour": 8, "minute": 16}
